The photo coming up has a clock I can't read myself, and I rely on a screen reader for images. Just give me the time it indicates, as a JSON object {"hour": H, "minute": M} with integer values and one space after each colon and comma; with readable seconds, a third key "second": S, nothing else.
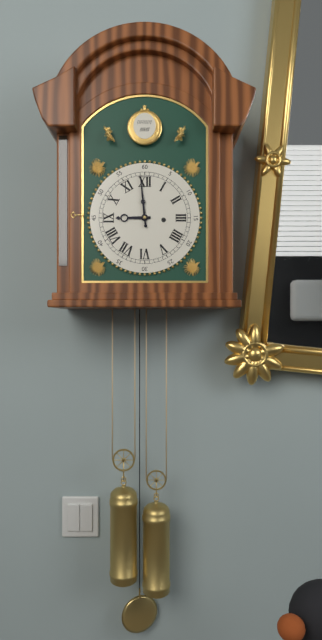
{"hour": 8, "minute": 59}
